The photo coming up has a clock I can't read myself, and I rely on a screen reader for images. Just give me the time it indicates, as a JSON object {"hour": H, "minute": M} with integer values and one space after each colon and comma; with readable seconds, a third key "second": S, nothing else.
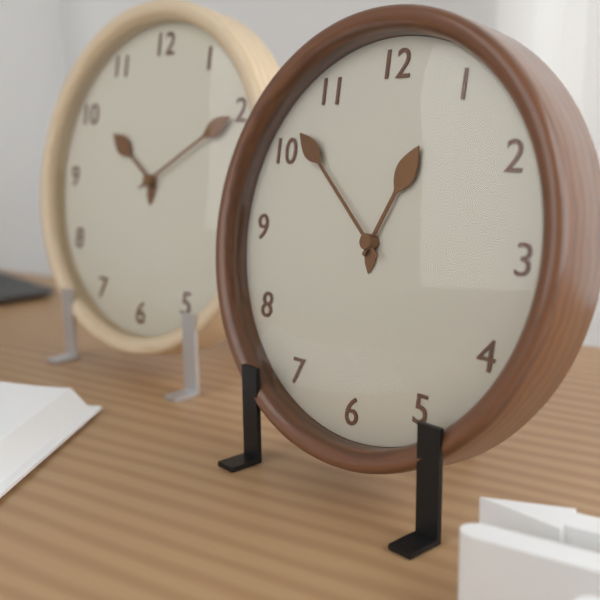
{"hour": 12, "minute": 52}
